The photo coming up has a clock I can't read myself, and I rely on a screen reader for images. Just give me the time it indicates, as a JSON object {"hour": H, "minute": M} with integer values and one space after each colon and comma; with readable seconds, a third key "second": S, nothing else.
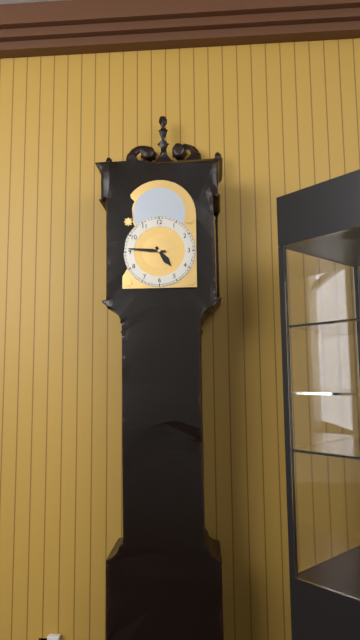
{"hour": 4, "minute": 46}
